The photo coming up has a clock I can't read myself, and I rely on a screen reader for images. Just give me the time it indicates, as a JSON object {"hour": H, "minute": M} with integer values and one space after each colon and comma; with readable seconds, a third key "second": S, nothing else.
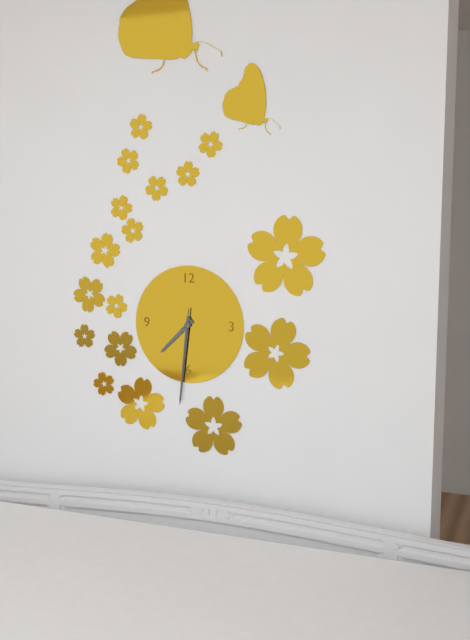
{"hour": 7, "minute": 31, "second": 31}
